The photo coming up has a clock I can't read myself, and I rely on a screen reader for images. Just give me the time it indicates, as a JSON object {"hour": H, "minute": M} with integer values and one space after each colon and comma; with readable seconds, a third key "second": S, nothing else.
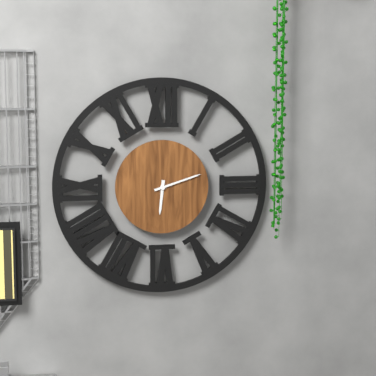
{"hour": 6, "minute": 12}
